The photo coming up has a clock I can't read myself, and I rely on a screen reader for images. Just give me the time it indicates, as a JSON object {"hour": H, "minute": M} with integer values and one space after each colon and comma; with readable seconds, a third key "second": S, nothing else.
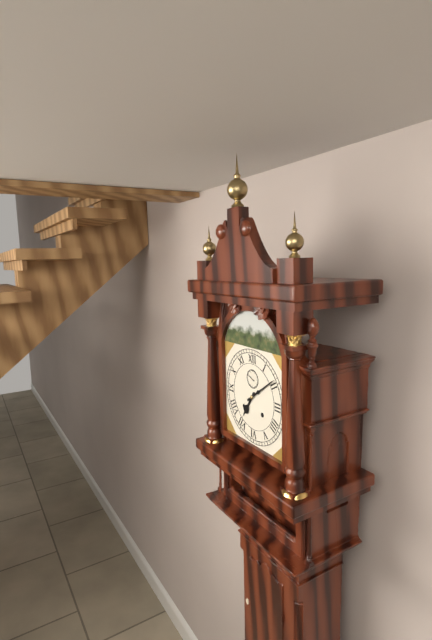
{"hour": 7, "minute": 9}
